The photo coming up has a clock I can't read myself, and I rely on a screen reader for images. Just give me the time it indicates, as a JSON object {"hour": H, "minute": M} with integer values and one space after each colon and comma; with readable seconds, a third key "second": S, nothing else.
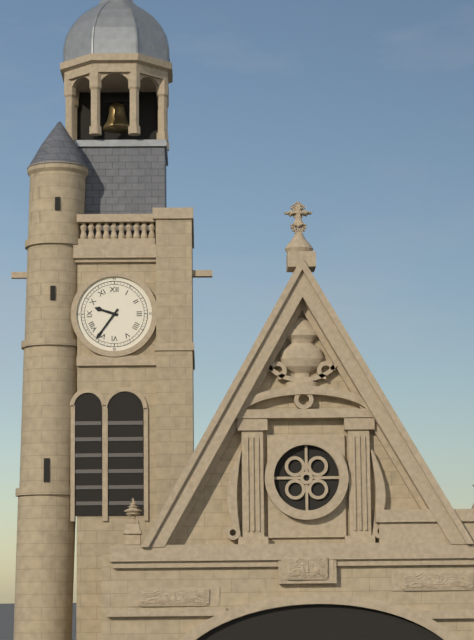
{"hour": 9, "minute": 36}
